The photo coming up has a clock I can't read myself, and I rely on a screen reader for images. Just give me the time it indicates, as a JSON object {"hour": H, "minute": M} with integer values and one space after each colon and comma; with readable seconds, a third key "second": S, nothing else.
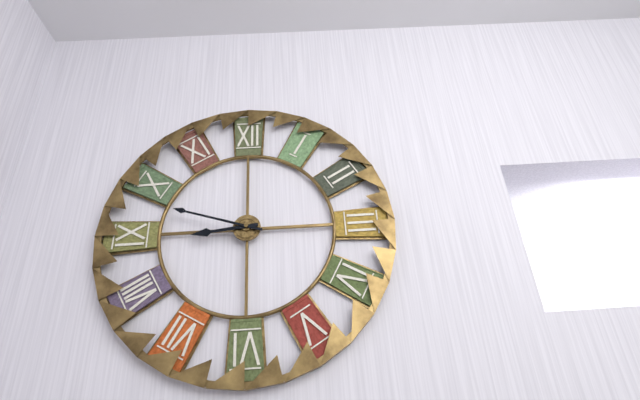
{"hour": 8, "minute": 48}
